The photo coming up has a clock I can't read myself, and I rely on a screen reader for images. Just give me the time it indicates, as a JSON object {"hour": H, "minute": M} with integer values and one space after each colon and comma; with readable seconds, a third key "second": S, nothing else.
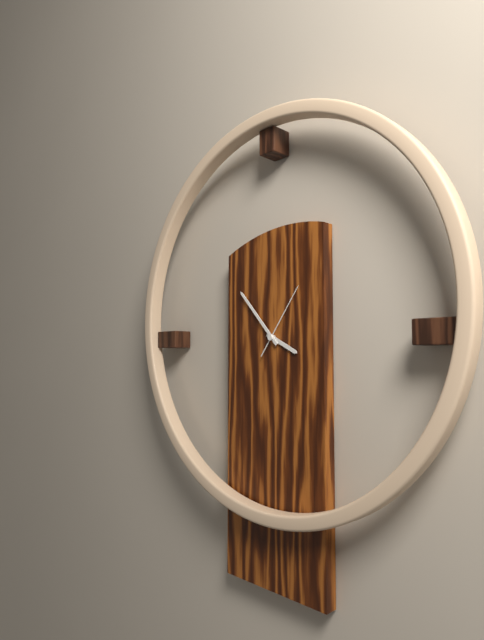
{"hour": 3, "minute": 53, "second": 6}
